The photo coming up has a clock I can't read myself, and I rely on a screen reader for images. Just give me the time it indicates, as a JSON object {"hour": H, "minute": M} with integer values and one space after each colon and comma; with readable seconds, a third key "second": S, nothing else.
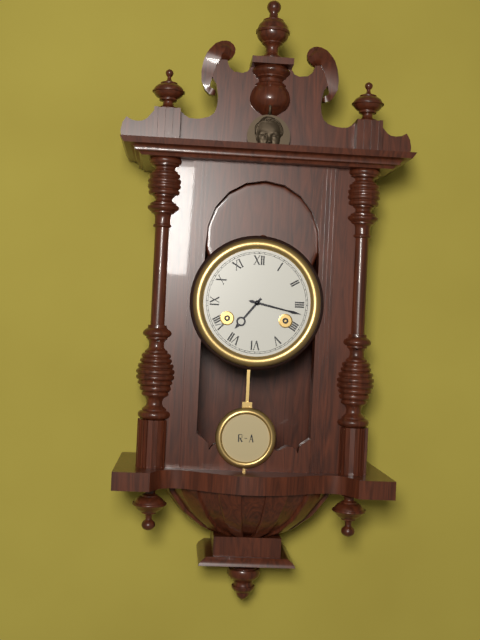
{"hour": 7, "minute": 17}
